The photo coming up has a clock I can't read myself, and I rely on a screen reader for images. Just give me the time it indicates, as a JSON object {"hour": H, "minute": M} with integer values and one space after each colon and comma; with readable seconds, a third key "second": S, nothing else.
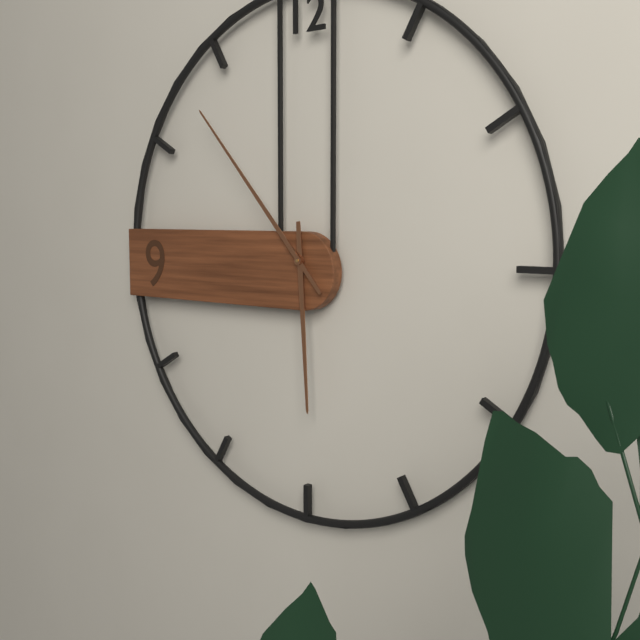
{"hour": 5, "minute": 53}
